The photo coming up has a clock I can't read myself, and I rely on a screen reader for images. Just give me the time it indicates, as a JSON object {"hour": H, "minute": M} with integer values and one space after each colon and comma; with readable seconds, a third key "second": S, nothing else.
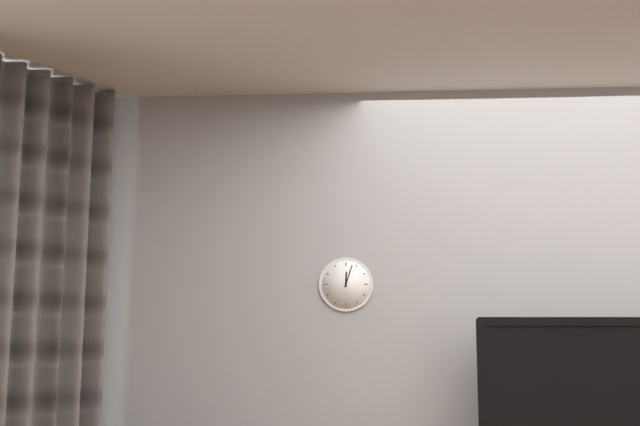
{"hour": 12, "minute": 3}
